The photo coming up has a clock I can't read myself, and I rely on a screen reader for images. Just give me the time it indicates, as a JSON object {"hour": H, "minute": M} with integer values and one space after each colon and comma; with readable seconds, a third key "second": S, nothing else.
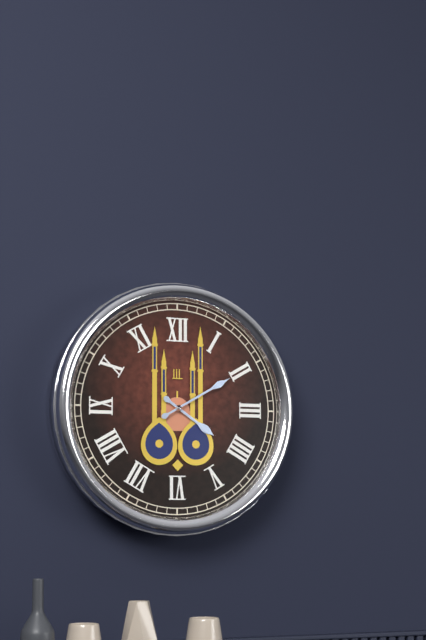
{"hour": 4, "minute": 10}
